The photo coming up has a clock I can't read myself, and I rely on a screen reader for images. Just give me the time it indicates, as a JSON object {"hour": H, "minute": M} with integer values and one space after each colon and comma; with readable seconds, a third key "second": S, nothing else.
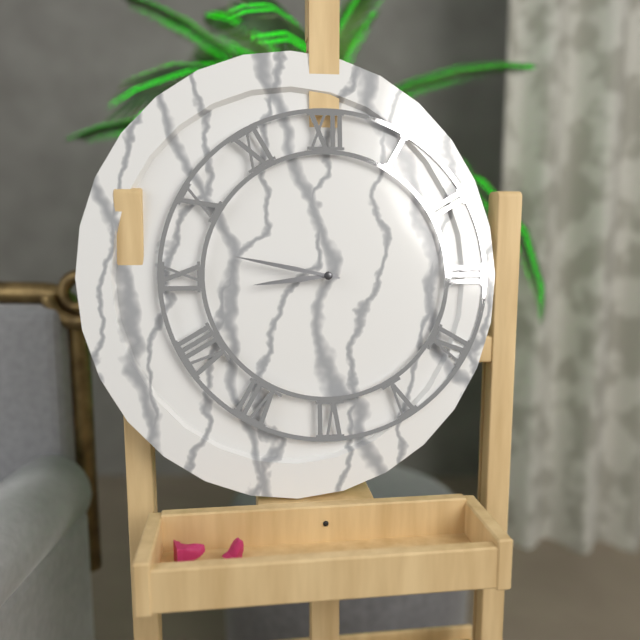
{"hour": 8, "minute": 47}
